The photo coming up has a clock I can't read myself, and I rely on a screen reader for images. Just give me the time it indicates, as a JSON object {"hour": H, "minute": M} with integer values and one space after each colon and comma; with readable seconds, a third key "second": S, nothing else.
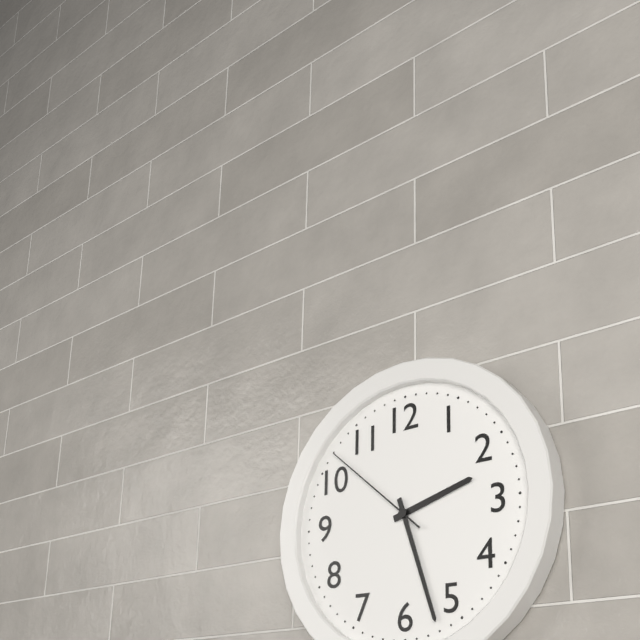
{"hour": 2, "minute": 27, "second": 52}
